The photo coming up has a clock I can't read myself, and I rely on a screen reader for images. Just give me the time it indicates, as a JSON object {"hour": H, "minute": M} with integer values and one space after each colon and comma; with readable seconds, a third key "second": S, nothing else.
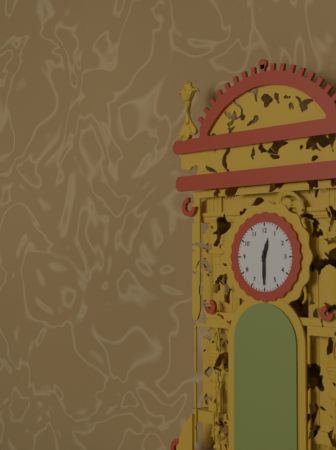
{"hour": 12, "minute": 30}
